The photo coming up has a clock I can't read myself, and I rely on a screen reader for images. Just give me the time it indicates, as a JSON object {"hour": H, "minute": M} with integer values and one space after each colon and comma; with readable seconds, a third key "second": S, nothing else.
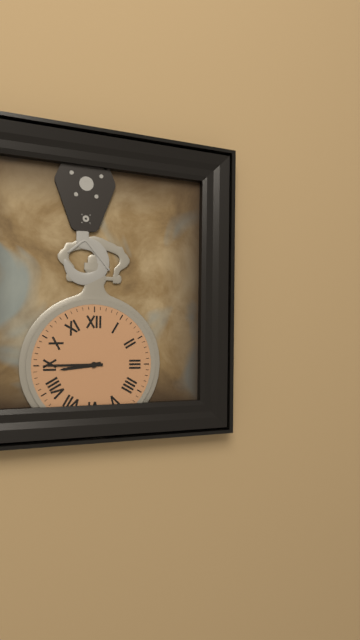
{"hour": 8, "minute": 45}
